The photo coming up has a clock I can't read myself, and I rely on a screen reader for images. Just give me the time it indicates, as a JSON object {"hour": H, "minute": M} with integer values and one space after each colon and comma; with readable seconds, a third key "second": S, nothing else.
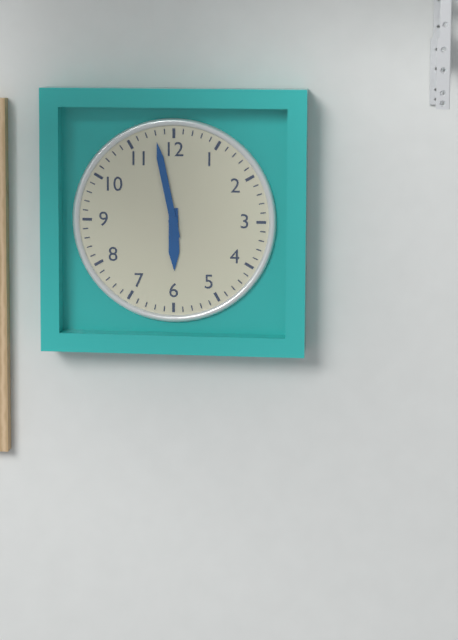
{"hour": 5, "minute": 58}
